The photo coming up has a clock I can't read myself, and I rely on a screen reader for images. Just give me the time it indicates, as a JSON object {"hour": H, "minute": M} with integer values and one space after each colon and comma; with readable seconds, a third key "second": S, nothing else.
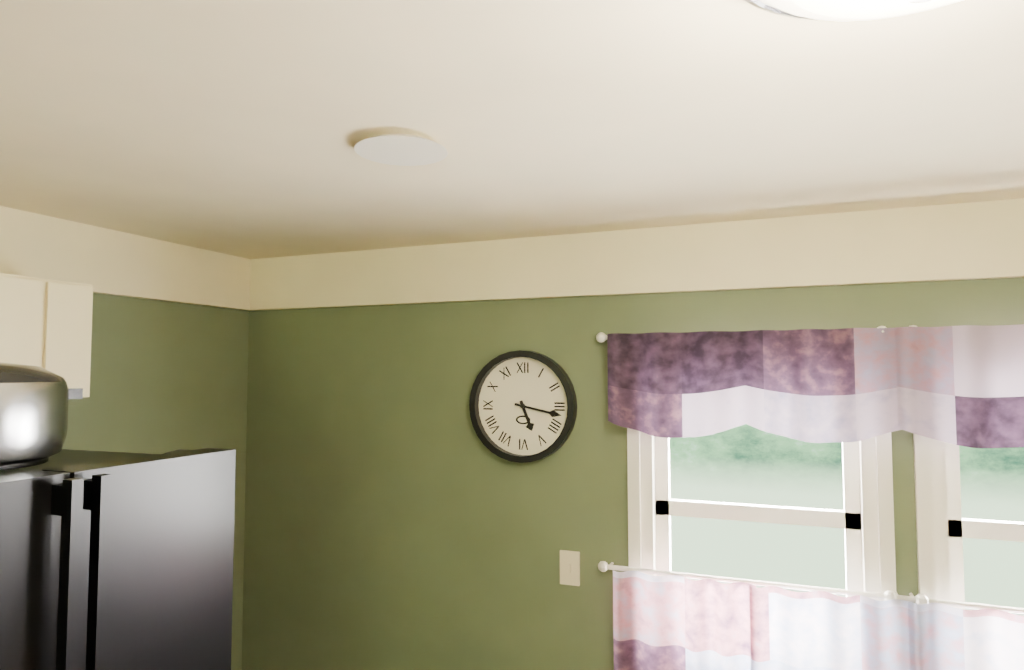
{"hour": 5, "minute": 17}
